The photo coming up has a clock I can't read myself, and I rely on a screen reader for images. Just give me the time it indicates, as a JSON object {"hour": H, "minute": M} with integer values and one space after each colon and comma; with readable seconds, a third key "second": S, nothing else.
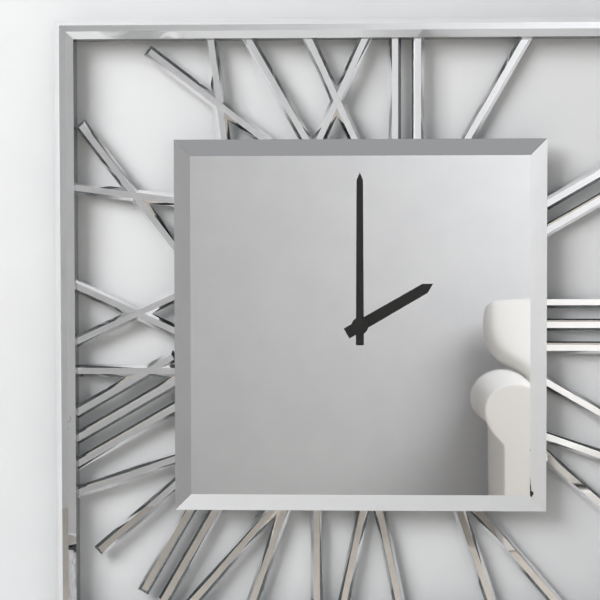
{"hour": 2, "minute": 0}
